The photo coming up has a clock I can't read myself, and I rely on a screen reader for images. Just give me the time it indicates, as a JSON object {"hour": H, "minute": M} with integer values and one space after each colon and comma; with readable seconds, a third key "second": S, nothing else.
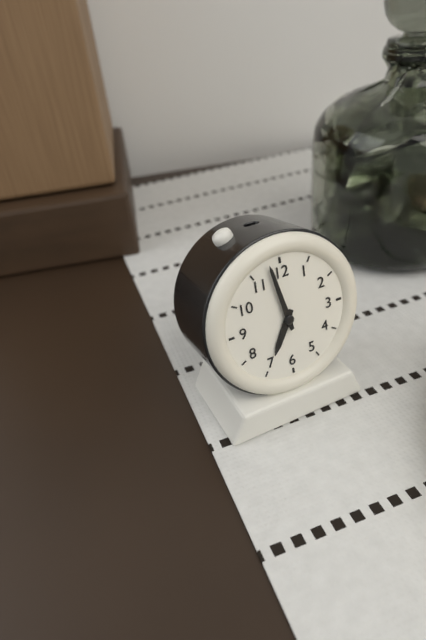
{"hour": 6, "minute": 58}
